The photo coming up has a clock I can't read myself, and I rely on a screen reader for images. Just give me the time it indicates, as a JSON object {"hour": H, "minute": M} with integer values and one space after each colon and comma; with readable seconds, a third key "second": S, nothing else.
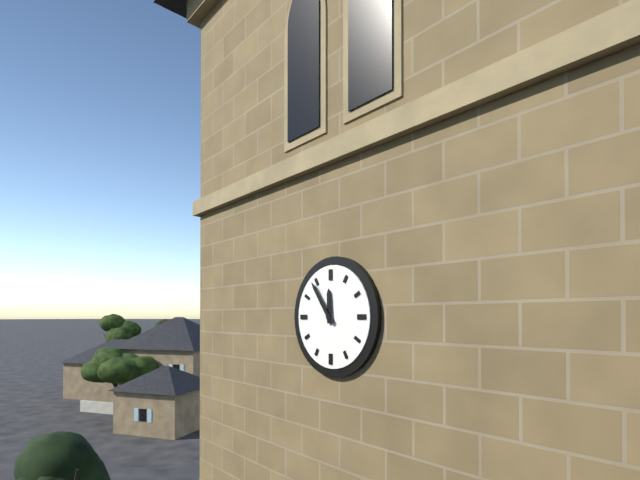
{"hour": 11, "minute": 54}
